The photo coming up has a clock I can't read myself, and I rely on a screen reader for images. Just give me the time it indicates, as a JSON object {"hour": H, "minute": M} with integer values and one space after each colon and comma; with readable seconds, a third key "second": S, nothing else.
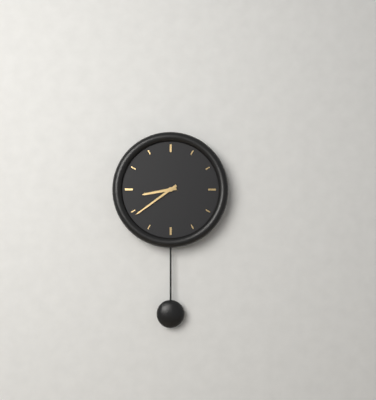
{"hour": 8, "minute": 39}
